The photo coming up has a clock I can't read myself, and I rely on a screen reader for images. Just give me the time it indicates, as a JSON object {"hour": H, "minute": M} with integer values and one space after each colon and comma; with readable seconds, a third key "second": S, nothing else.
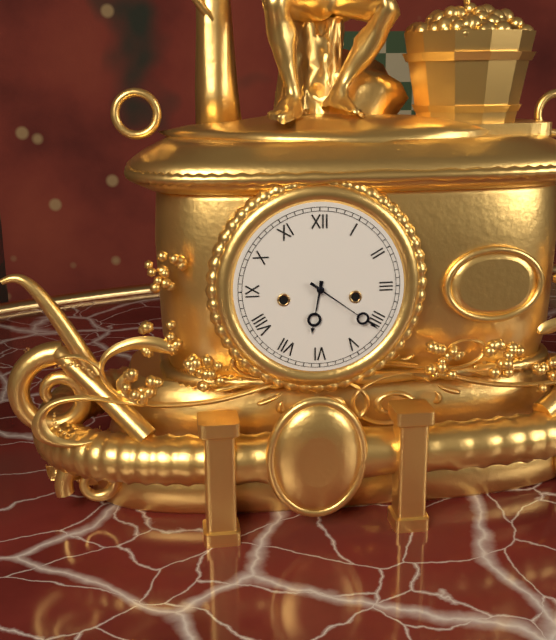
{"hour": 6, "minute": 21}
